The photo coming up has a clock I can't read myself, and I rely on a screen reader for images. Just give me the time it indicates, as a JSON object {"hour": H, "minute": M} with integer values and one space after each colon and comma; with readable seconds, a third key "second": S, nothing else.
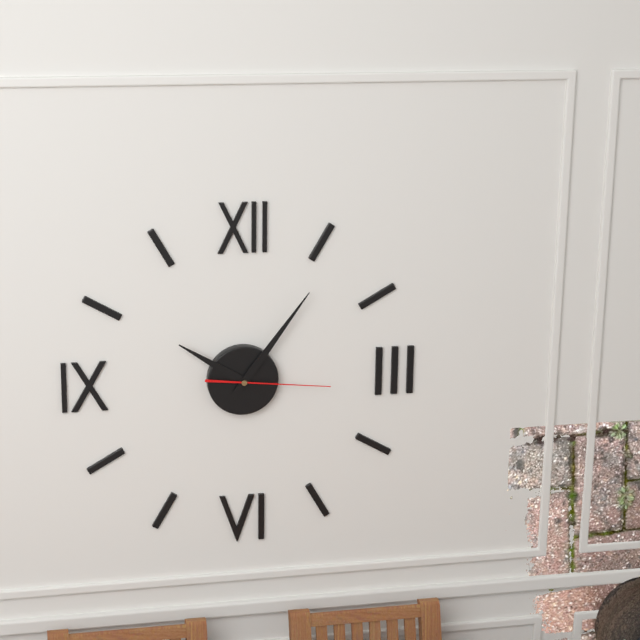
{"hour": 10, "minute": 6, "second": 16}
